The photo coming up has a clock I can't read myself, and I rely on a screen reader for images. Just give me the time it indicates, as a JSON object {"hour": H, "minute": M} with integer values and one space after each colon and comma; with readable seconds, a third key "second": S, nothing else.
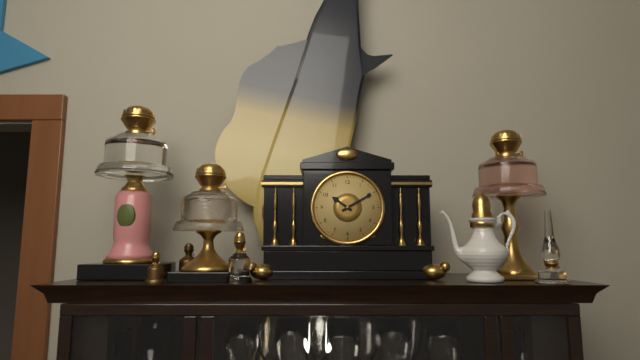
{"hour": 10, "minute": 10}
